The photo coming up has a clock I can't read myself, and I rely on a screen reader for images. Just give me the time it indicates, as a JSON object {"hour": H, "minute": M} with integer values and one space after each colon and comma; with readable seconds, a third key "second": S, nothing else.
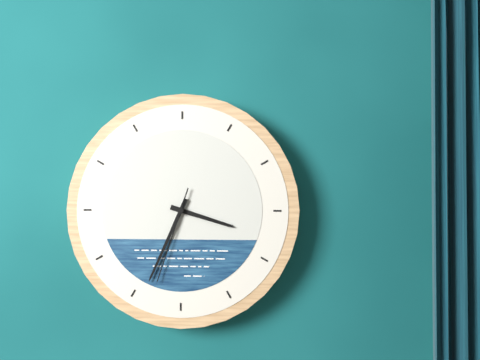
{"hour": 3, "minute": 34, "second": 33}
